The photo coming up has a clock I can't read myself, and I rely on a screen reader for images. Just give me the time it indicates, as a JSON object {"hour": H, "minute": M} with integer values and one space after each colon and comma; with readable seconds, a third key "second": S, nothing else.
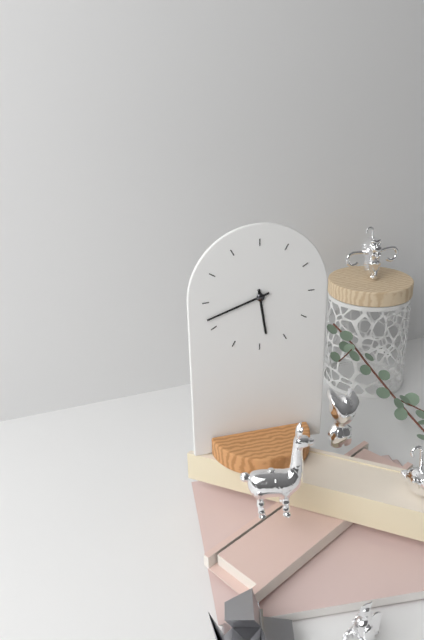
{"hour": 5, "minute": 42}
